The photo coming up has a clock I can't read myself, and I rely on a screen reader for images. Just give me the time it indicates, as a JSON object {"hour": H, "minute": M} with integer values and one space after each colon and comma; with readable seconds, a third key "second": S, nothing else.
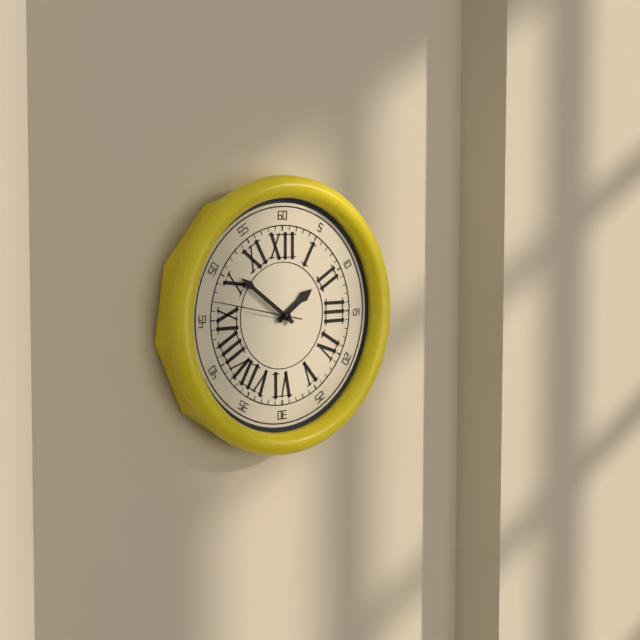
{"hour": 1, "minute": 51, "second": 47}
